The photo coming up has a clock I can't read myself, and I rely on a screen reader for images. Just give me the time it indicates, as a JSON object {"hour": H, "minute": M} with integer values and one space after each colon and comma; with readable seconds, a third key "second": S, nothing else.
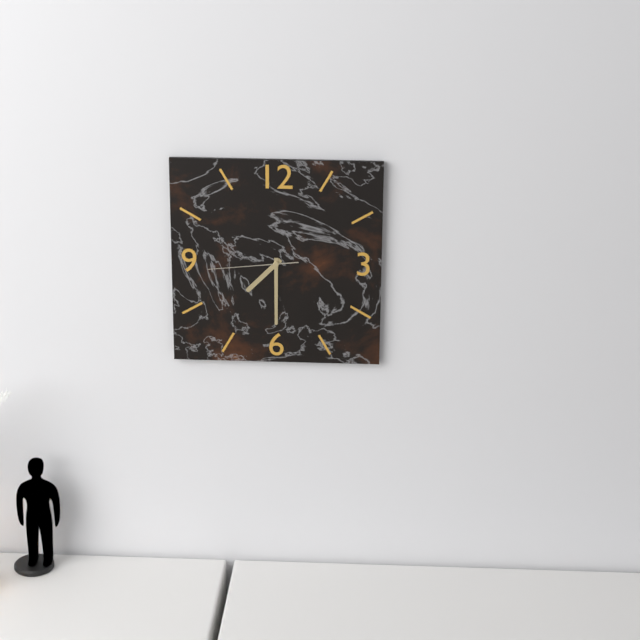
{"hour": 7, "minute": 30, "second": 44}
